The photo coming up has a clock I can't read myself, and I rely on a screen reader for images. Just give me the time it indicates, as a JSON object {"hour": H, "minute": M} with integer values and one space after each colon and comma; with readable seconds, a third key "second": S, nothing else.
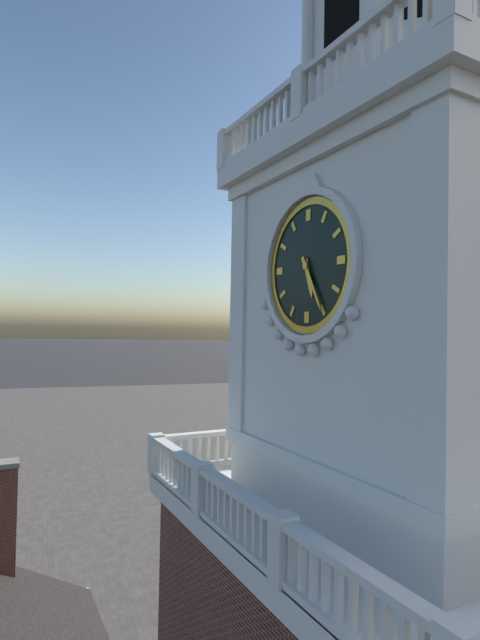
{"hour": 5, "minute": 25}
